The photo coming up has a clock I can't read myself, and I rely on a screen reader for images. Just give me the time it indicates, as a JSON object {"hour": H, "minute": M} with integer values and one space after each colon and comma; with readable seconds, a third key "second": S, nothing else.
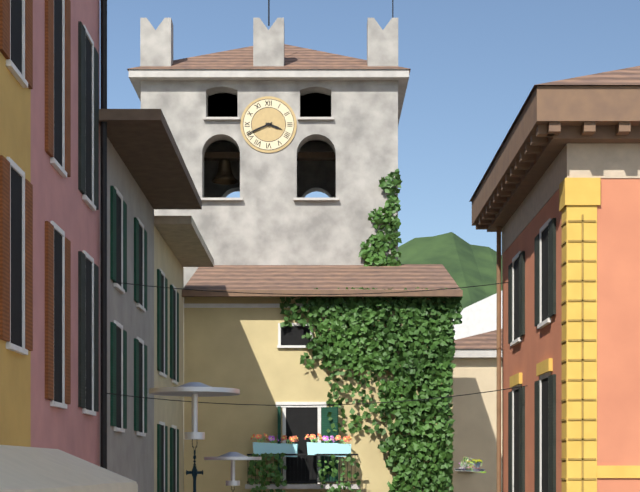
{"hour": 3, "minute": 41}
